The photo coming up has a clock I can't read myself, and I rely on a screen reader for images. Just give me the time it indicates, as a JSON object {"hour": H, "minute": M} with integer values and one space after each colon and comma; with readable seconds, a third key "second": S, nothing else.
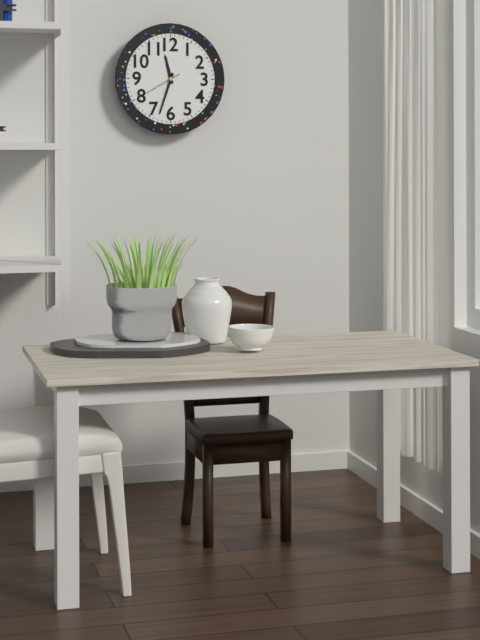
{"hour": 11, "minute": 33}
